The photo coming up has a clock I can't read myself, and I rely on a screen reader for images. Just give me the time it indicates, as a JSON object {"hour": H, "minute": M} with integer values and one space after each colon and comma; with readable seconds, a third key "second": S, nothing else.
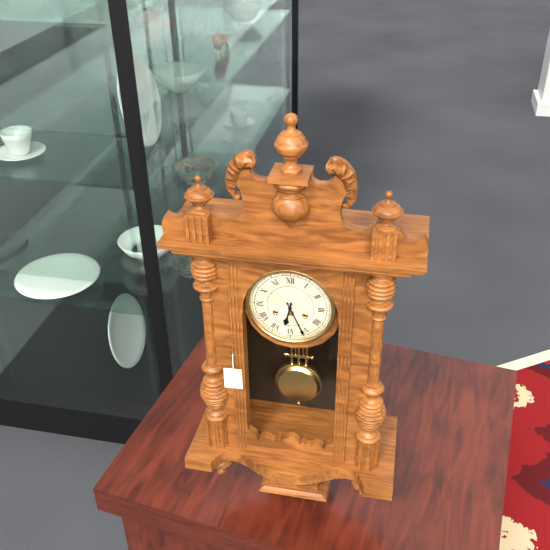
{"hour": 6, "minute": 26}
